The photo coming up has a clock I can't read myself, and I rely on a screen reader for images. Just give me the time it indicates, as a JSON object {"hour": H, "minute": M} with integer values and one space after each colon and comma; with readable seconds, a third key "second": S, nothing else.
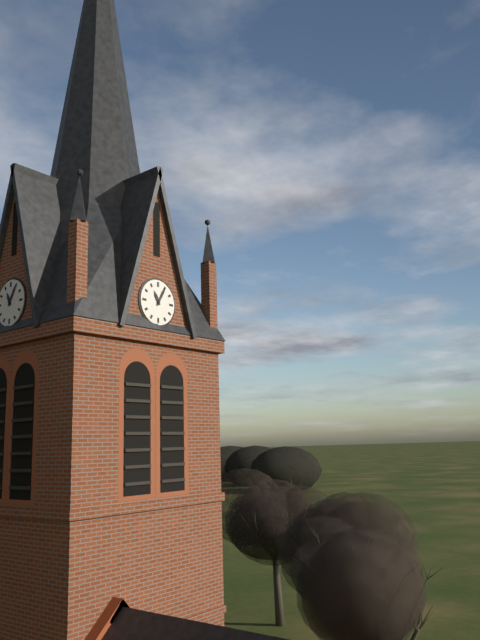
{"hour": 11, "minute": 5}
